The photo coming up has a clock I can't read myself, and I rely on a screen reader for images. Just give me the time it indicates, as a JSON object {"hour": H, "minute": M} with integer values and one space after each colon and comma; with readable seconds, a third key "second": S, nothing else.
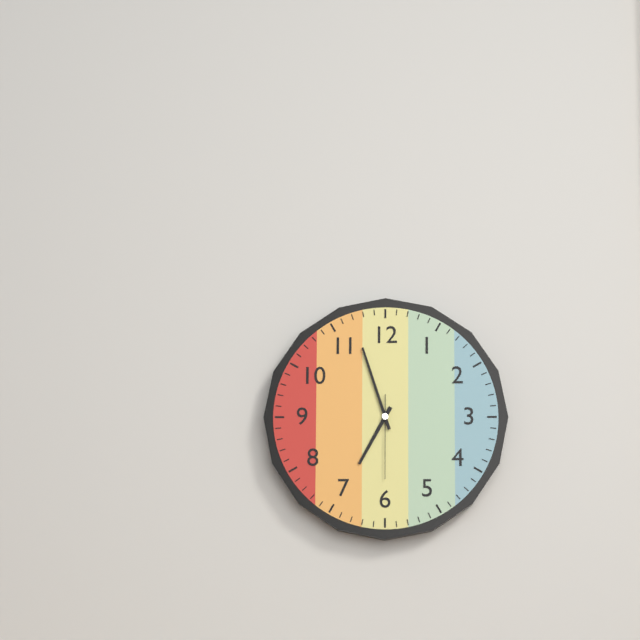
{"hour": 6, "minute": 57, "second": 30}
